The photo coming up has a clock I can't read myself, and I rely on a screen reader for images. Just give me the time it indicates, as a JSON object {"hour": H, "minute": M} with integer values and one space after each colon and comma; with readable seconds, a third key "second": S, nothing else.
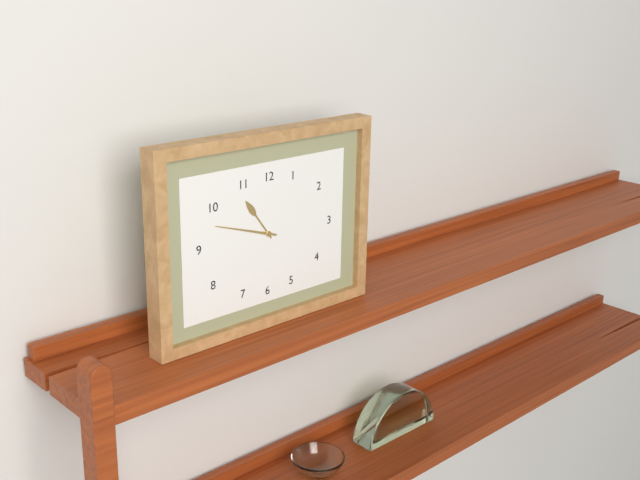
{"hour": 10, "minute": 48}
